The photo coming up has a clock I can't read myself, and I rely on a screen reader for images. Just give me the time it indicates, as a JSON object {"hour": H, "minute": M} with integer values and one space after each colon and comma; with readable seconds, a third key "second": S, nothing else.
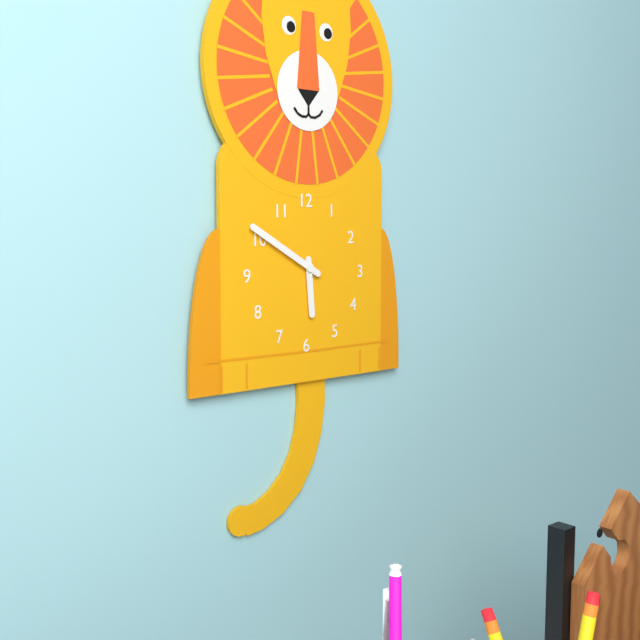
{"hour": 5, "minute": 50}
